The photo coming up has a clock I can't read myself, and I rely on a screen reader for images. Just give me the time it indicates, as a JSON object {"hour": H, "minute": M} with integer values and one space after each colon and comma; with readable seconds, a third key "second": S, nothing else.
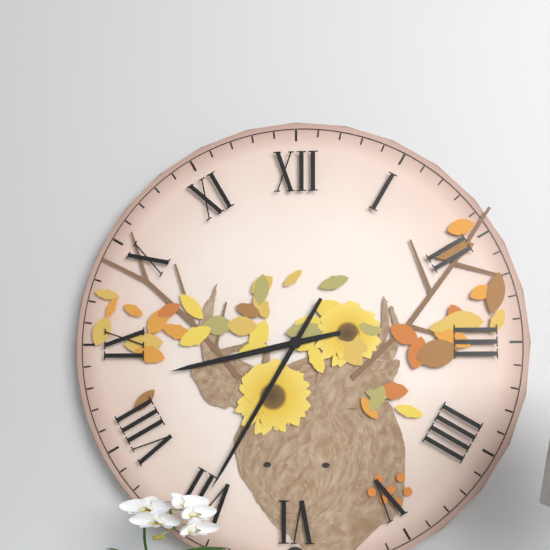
{"hour": 8, "minute": 35}
